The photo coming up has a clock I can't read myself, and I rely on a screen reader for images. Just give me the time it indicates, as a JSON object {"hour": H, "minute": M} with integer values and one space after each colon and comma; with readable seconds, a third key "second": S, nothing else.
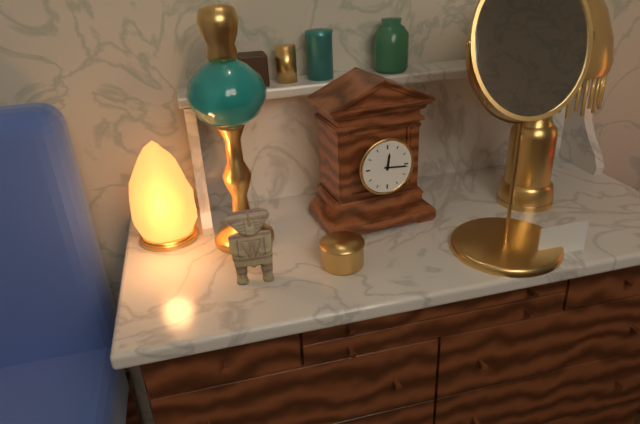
{"hour": 12, "minute": 16}
